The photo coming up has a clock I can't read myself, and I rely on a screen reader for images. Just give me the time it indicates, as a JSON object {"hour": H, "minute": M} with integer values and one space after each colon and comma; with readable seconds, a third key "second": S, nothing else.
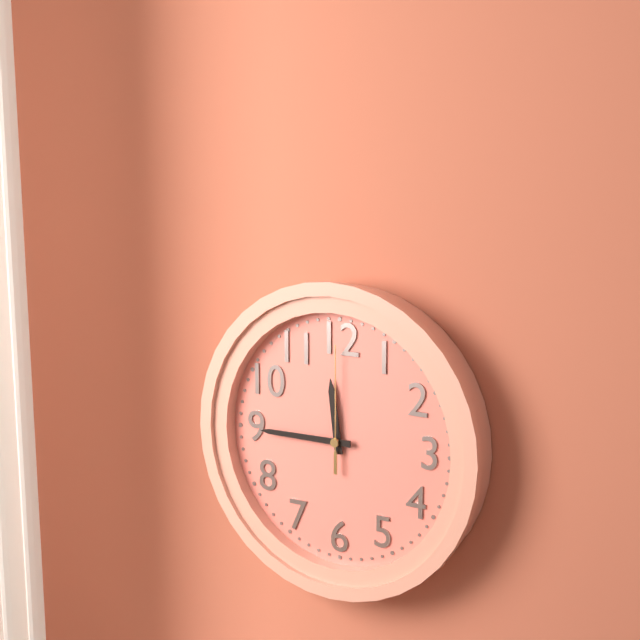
{"hour": 11, "minute": 45, "second": 0}
